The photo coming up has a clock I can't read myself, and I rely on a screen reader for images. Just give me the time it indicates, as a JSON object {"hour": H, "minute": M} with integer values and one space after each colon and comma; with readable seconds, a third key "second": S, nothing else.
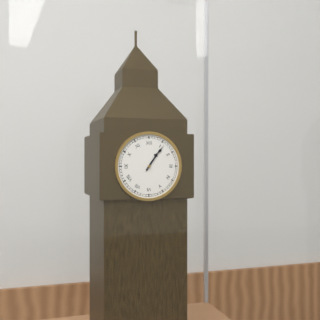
{"hour": 1, "minute": 6}
